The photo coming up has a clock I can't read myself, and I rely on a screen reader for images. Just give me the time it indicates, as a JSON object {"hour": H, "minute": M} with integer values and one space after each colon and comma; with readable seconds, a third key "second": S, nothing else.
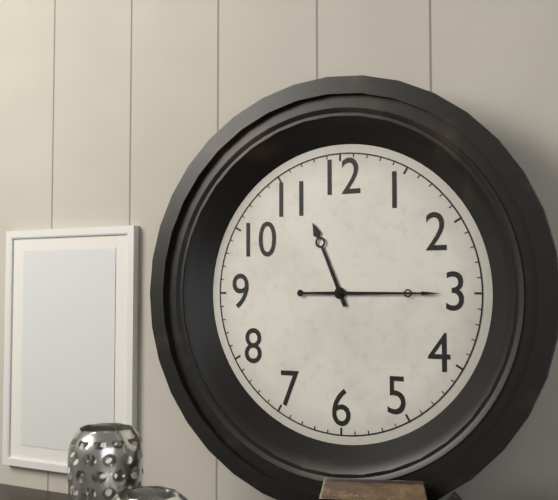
{"hour": 11, "minute": 15}
